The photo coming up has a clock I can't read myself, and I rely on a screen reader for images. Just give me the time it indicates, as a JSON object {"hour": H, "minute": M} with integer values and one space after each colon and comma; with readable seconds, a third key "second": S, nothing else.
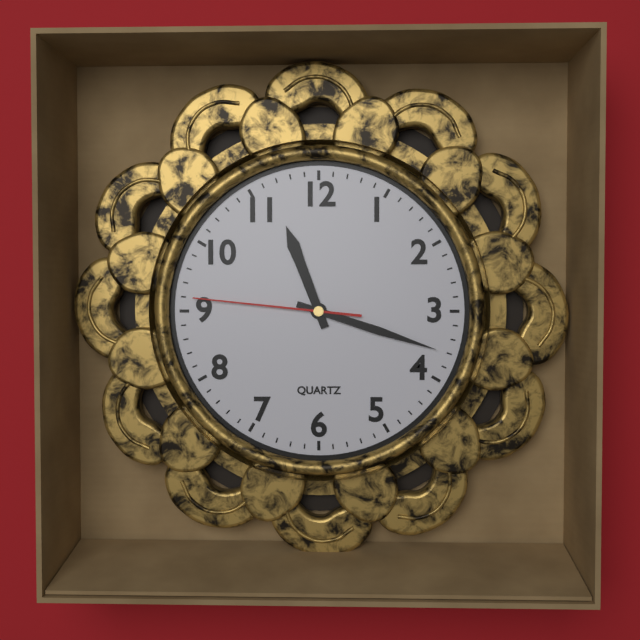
{"hour": 11, "minute": 18, "second": 46}
